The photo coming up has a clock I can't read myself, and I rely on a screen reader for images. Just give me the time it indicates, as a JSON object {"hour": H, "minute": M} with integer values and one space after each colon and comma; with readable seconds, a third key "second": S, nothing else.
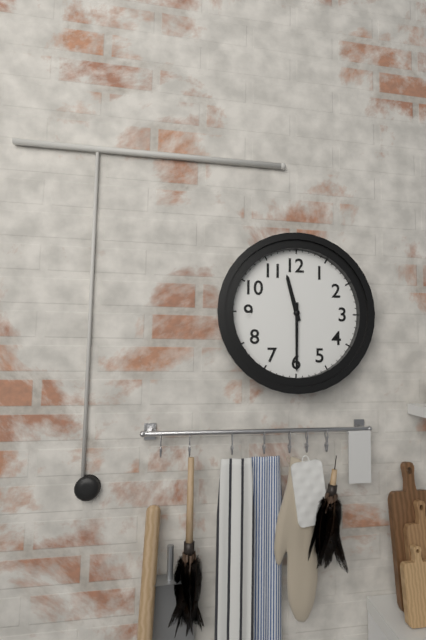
{"hour": 11, "minute": 30}
